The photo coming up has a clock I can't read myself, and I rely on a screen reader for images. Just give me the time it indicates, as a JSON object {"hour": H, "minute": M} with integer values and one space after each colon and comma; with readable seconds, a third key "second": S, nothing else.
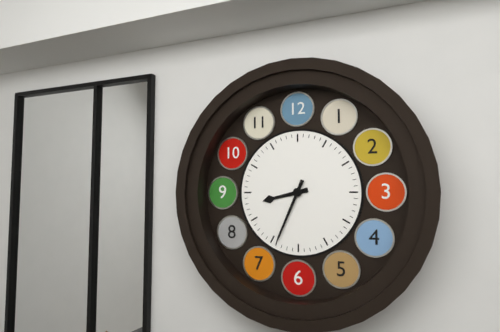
{"hour": 8, "minute": 34}
